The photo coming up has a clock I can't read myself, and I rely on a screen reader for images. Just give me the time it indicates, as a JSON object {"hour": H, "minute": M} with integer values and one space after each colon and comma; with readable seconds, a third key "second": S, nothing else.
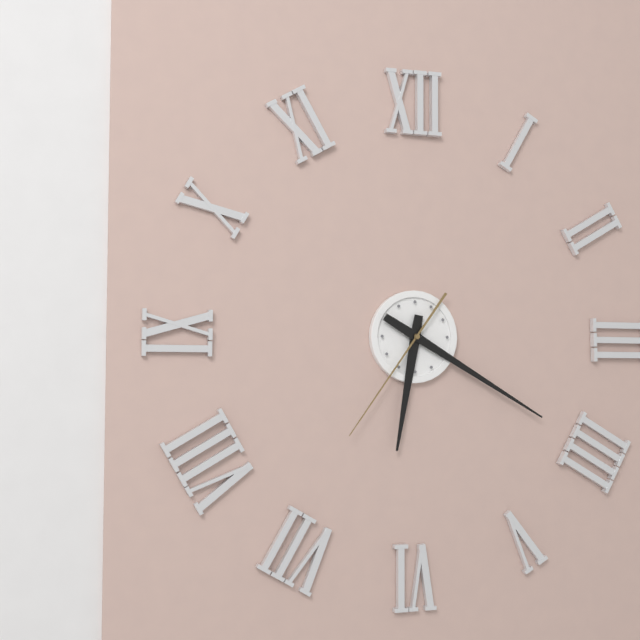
{"hour": 6, "minute": 20, "second": 36}
